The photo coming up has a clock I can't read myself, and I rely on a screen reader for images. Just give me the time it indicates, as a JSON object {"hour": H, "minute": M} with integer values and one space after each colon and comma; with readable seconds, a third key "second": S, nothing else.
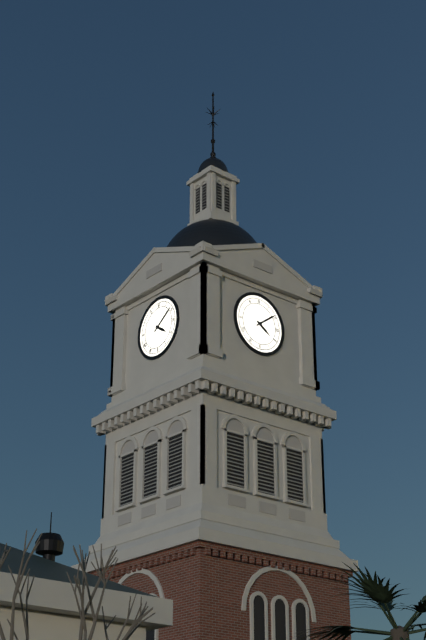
{"hour": 4, "minute": 9}
